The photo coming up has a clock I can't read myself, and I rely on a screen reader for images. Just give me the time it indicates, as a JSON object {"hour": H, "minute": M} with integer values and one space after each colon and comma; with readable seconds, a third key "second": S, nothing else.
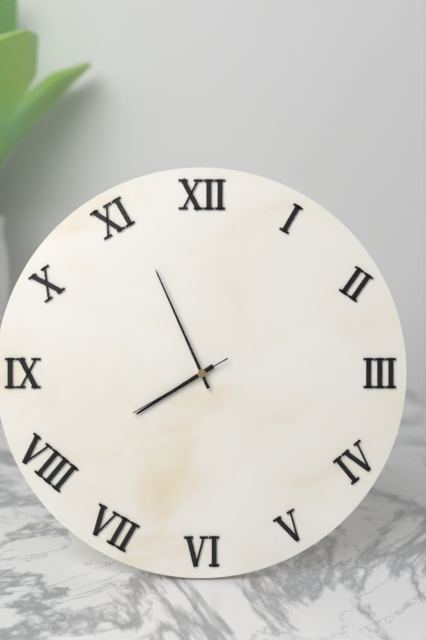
{"hour": 7, "minute": 56, "second": 40}
